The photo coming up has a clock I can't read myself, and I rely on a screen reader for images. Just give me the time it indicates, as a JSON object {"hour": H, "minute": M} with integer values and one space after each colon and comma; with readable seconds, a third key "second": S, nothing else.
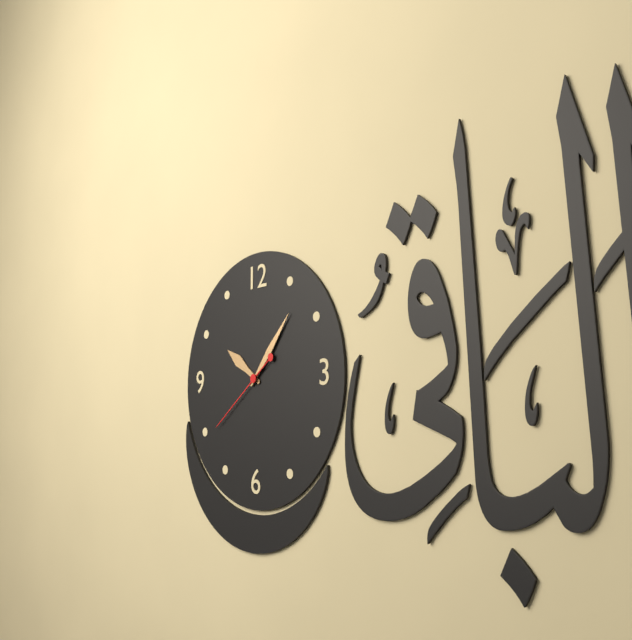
{"hour": 10, "minute": 7, "second": 39}
